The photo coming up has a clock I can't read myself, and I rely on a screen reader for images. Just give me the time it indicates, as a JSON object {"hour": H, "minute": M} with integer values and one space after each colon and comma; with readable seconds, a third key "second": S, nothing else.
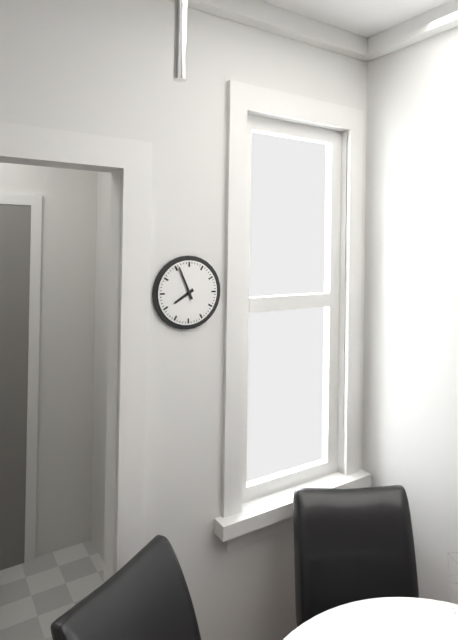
{"hour": 7, "minute": 56}
